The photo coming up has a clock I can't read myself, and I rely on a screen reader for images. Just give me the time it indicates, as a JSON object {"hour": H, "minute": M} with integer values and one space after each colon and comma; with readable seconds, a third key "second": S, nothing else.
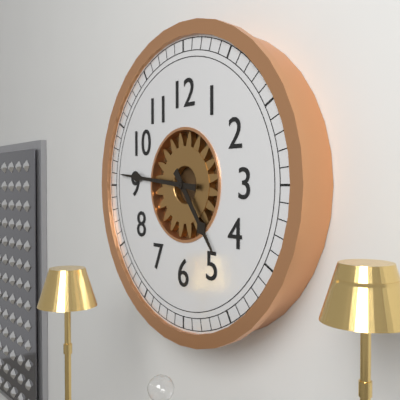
{"hour": 4, "minute": 46}
